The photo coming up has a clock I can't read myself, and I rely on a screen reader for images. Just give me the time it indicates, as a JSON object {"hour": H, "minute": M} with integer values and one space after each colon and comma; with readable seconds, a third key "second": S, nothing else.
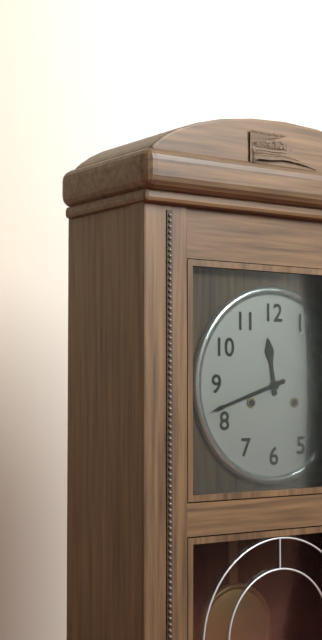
{"hour": 11, "minute": 42}
